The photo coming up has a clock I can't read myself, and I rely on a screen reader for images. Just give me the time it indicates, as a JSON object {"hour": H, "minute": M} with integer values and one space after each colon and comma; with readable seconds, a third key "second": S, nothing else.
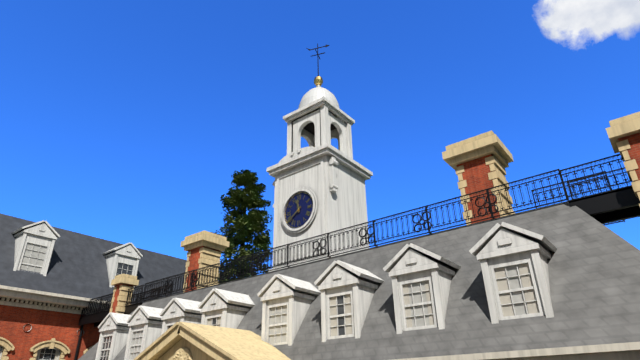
{"hour": 11, "minute": 39}
